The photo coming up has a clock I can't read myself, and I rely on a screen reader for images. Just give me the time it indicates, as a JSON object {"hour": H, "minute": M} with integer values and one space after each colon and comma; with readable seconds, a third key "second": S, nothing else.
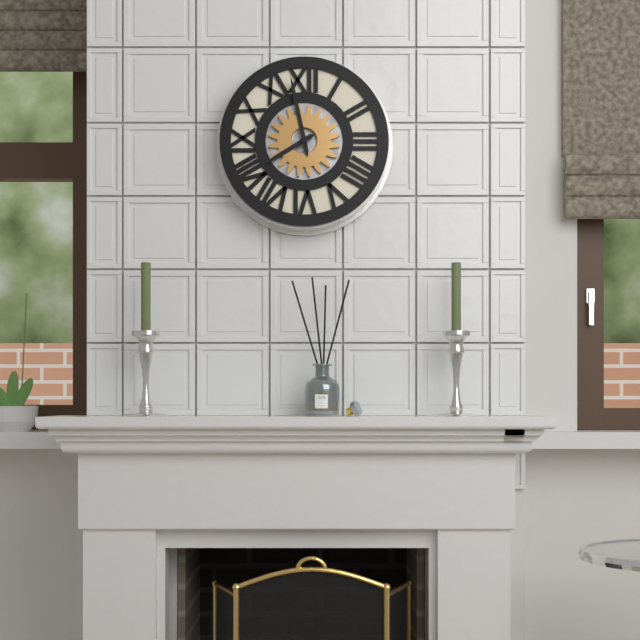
{"hour": 7, "minute": 58}
